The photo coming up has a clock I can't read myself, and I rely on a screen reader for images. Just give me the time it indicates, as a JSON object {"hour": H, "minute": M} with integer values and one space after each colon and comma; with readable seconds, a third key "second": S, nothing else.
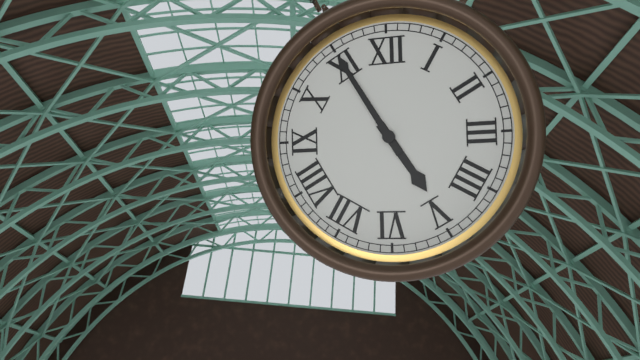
{"hour": 4, "minute": 55}
